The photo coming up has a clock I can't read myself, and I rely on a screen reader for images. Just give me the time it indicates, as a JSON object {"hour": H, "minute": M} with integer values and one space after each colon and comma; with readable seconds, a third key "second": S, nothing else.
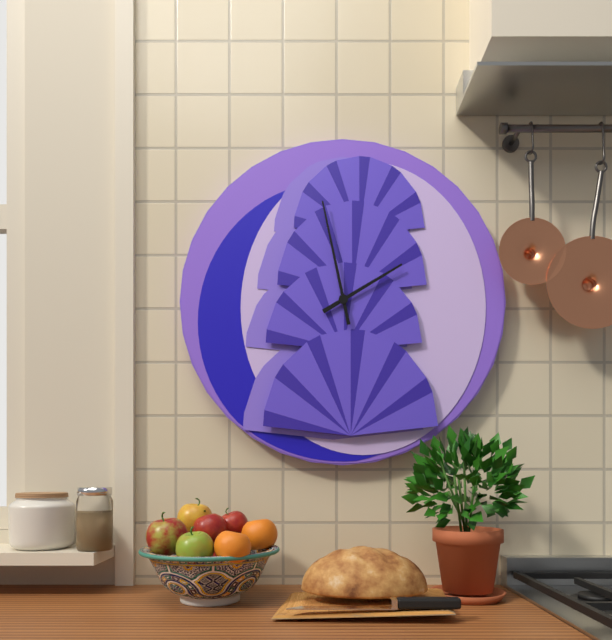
{"hour": 1, "minute": 58}
